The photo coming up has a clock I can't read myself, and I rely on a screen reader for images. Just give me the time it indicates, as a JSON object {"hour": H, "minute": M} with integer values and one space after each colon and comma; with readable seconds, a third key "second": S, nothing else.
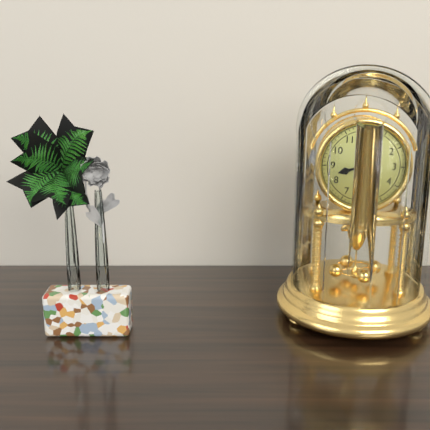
{"hour": 8, "minute": 27}
